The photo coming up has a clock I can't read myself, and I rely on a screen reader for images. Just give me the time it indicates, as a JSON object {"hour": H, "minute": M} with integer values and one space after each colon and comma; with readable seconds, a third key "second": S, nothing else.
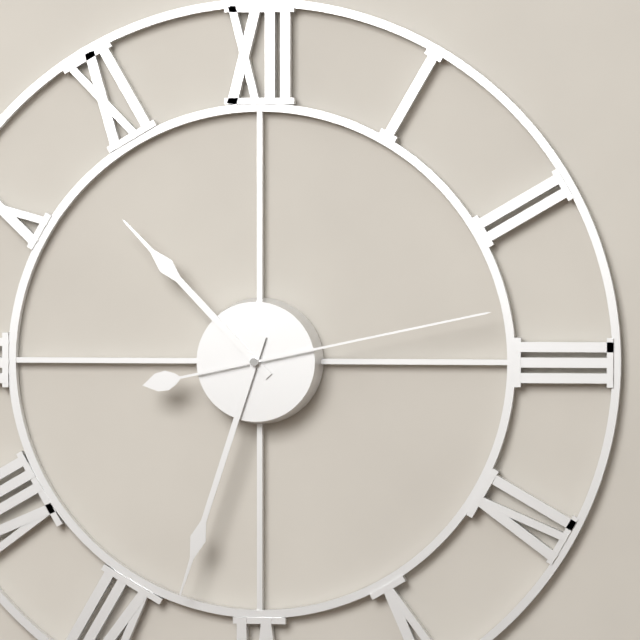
{"hour": 10, "minute": 33, "second": 13}
